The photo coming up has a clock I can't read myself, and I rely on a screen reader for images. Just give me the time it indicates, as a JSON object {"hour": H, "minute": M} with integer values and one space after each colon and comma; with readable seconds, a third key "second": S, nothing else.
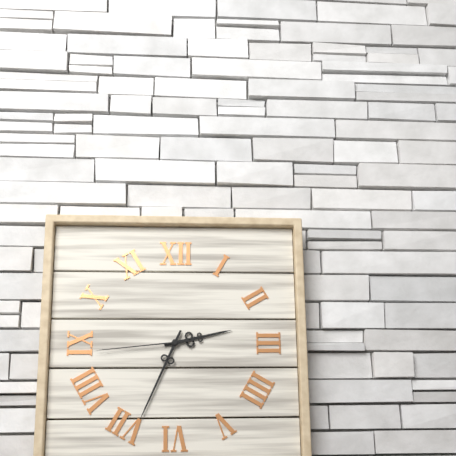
{"hour": 2, "minute": 34, "second": 44}
